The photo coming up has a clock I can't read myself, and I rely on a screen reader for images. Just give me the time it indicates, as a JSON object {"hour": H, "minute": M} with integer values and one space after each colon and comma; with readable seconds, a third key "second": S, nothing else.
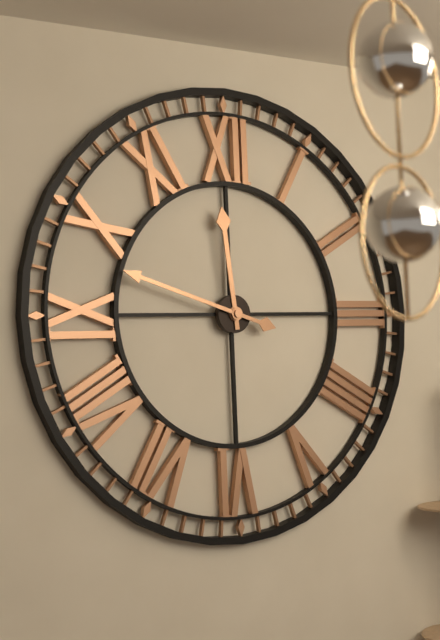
{"hour": 11, "minute": 48}
